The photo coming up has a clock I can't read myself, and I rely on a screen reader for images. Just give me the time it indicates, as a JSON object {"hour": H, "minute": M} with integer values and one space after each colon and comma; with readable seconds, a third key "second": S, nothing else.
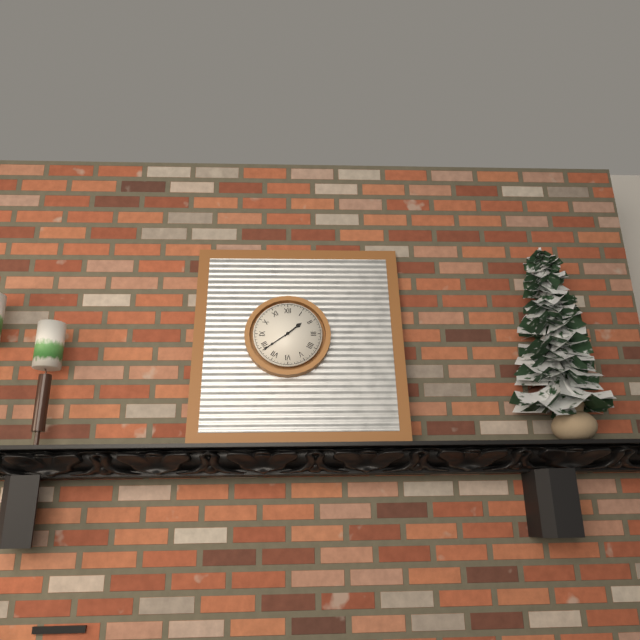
{"hour": 1, "minute": 39}
